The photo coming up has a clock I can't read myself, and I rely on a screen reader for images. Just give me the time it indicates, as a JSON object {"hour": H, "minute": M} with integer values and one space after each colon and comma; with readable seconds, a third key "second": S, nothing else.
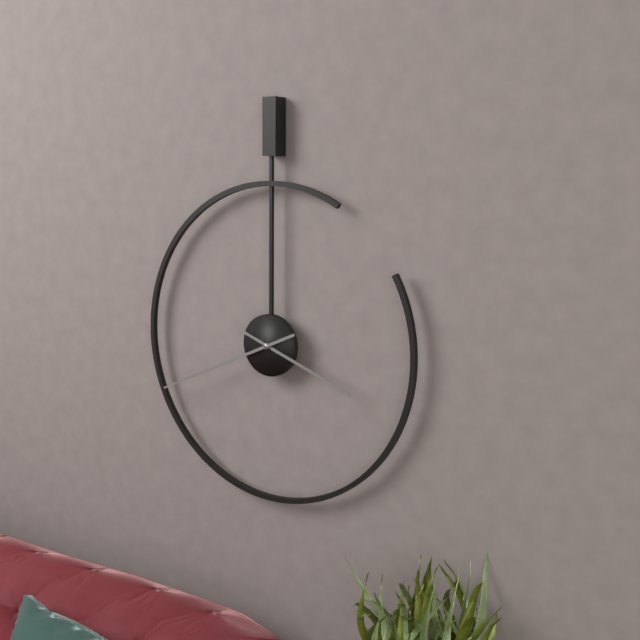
{"hour": 3, "minute": 41}
